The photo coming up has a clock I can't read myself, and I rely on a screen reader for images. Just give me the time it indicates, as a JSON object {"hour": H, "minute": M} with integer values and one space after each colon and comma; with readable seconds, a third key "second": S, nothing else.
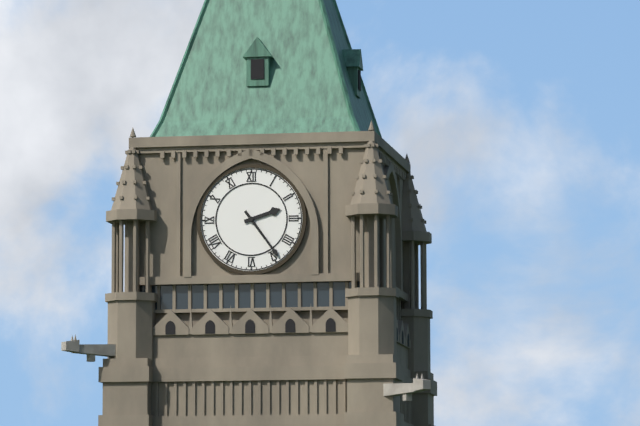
{"hour": 2, "minute": 24}
